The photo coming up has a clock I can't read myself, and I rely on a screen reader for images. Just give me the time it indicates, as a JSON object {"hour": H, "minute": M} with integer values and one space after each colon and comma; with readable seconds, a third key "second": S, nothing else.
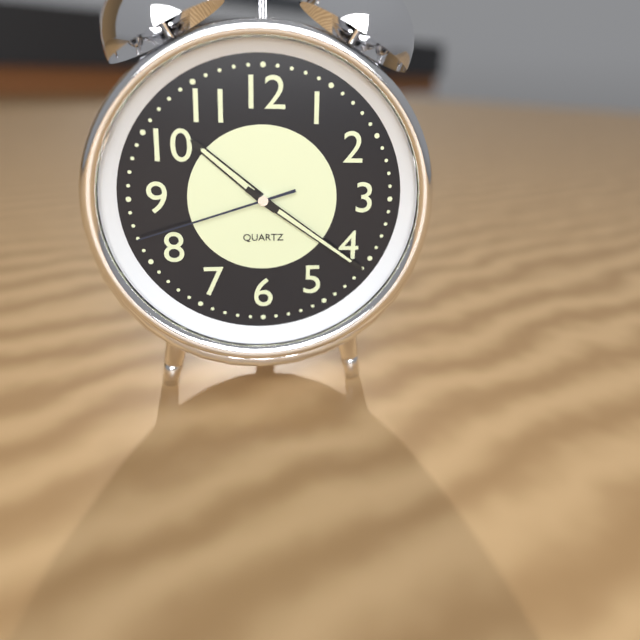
{"hour": 10, "minute": 21, "second": 42}
